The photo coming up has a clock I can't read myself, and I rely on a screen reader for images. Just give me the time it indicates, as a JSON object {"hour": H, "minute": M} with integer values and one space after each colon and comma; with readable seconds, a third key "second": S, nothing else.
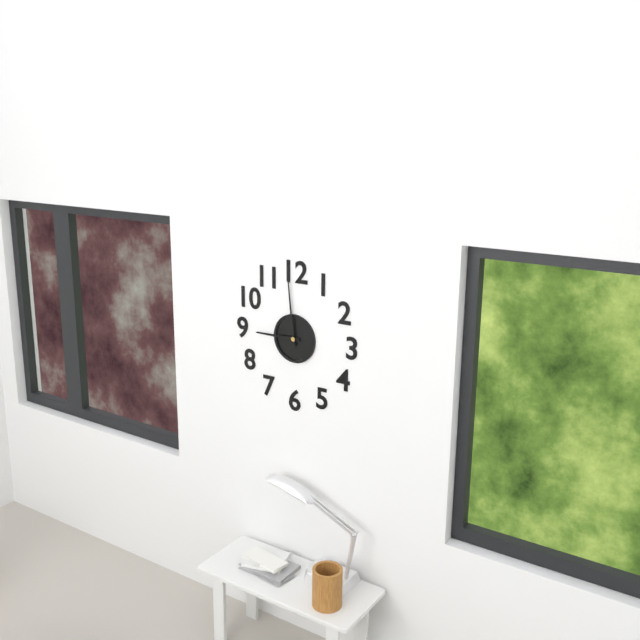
{"hour": 8, "minute": 59}
